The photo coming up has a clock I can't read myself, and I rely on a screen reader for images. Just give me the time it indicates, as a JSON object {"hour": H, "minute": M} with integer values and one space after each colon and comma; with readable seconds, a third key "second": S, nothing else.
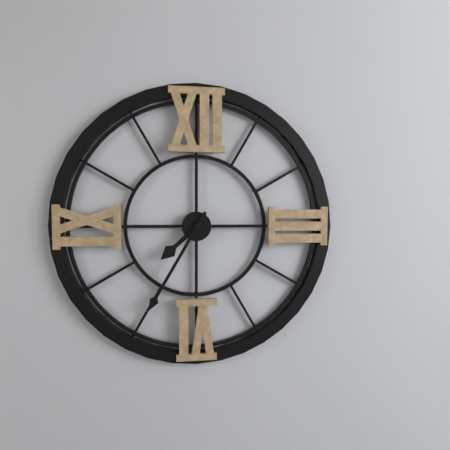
{"hour": 7, "minute": 35}
